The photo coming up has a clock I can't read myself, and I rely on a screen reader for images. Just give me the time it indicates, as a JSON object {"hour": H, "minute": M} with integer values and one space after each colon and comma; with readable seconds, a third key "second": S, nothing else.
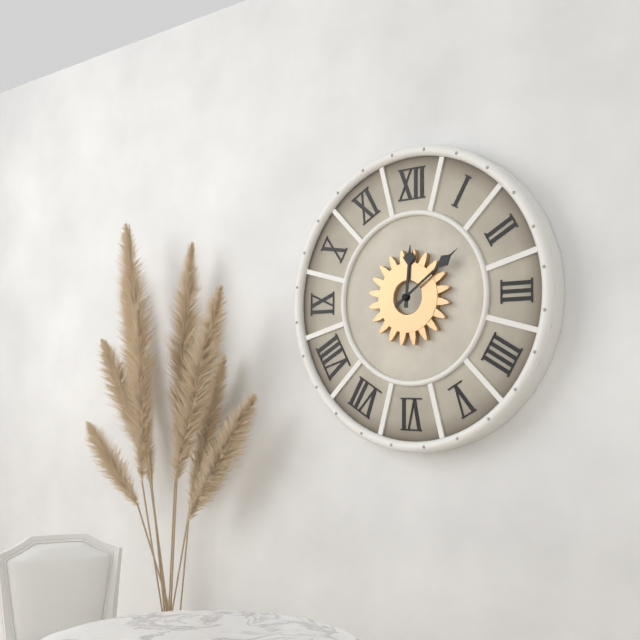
{"hour": 12, "minute": 9}
